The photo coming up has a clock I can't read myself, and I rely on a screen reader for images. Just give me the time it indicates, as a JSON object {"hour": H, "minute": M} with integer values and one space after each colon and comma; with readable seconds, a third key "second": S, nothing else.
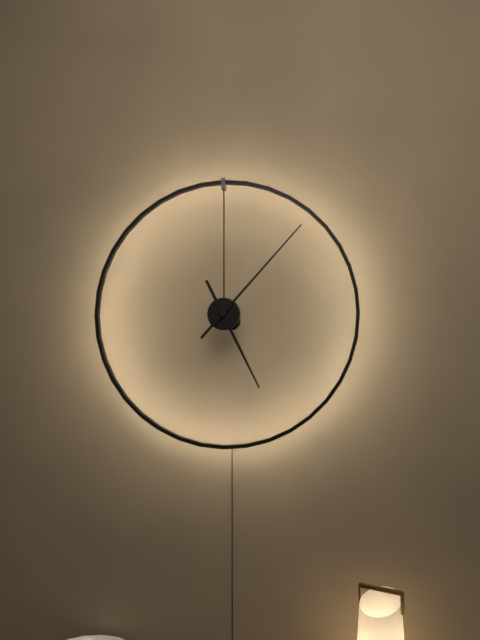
{"hour": 5, "minute": 7}
